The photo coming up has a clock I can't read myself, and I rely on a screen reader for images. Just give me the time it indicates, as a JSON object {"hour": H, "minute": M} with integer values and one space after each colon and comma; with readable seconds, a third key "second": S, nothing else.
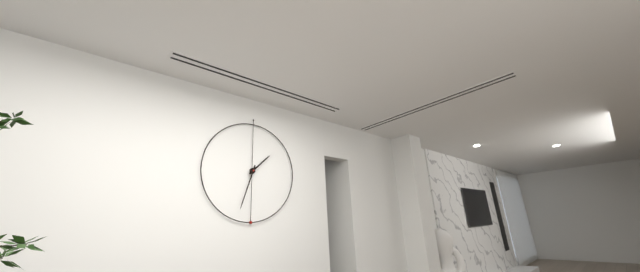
{"hour": 1, "minute": 33}
